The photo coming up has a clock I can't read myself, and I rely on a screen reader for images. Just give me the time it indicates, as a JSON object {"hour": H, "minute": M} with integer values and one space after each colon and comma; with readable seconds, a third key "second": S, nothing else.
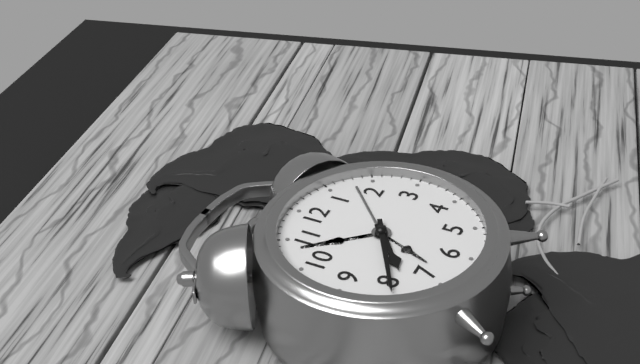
{"hour": 7, "minute": 40}
